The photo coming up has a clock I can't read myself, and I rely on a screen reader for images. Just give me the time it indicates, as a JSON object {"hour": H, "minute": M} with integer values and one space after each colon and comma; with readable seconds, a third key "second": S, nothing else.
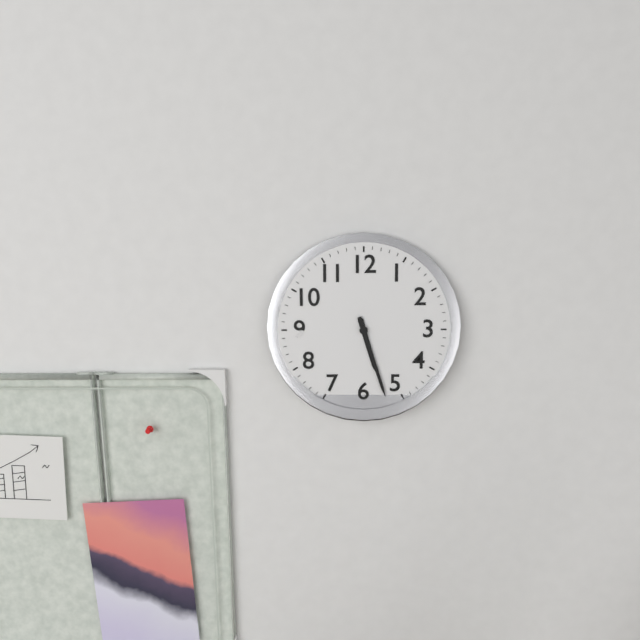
{"hour": 5, "minute": 27}
